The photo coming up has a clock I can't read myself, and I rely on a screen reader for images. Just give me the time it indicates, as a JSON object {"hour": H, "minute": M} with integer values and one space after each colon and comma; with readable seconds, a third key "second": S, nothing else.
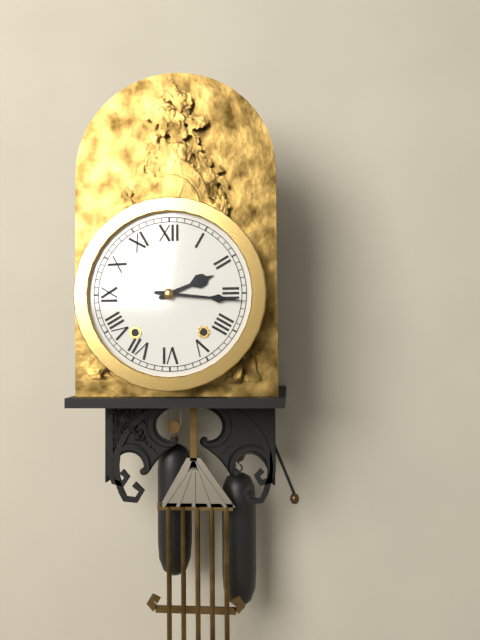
{"hour": 2, "minute": 16}
